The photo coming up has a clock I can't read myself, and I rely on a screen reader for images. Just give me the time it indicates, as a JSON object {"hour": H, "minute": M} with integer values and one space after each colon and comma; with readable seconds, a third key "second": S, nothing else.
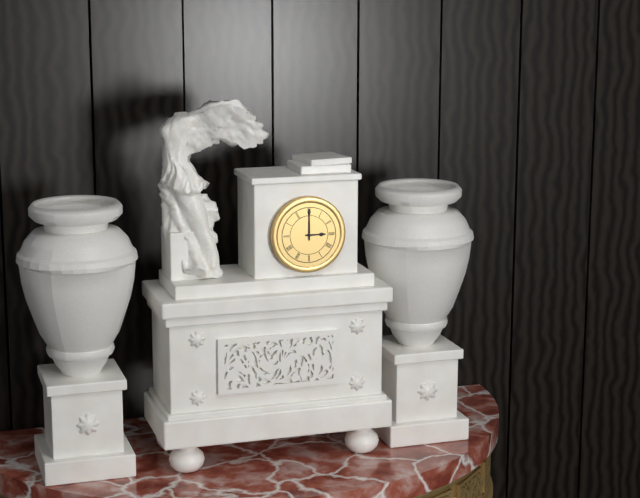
{"hour": 3, "minute": 0}
